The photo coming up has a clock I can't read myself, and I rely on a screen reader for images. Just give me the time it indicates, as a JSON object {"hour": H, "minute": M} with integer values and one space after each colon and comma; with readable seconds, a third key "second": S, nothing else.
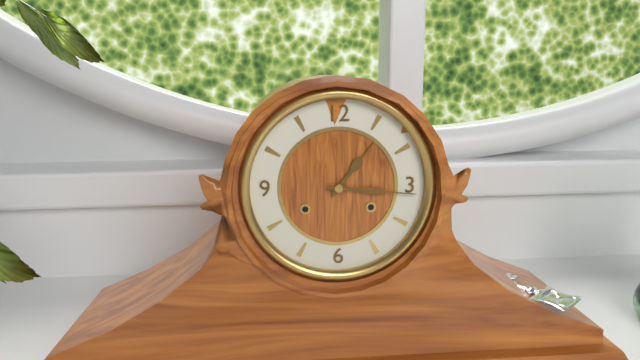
{"hour": 1, "minute": 16}
